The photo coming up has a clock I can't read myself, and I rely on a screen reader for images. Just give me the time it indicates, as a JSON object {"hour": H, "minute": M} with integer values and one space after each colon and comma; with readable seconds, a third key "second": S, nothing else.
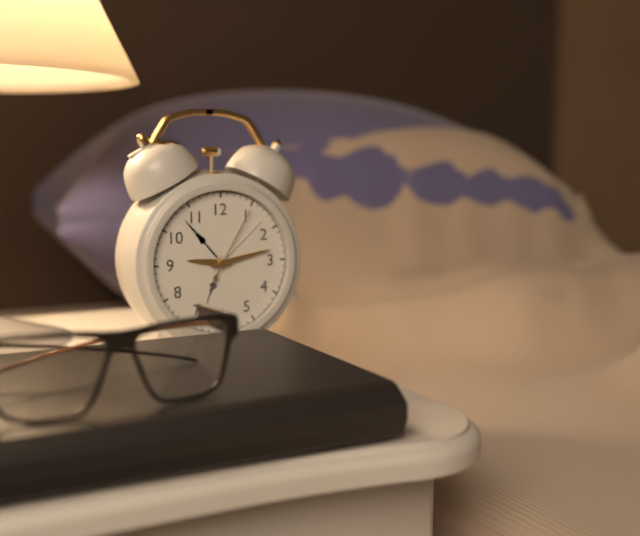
{"hour": 9, "minute": 13, "second": 5}
